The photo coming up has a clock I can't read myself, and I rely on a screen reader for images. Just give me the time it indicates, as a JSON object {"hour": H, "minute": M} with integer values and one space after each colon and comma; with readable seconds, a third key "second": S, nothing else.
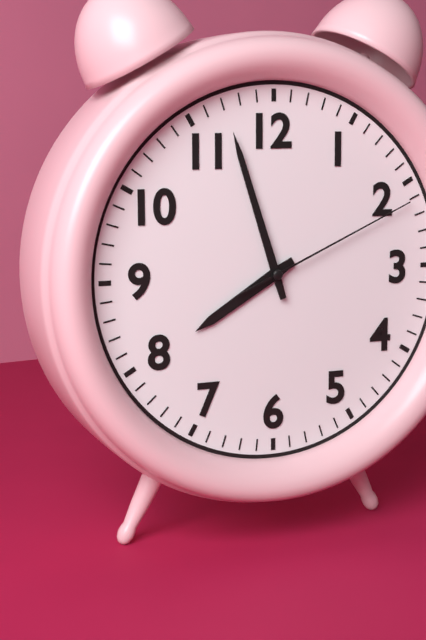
{"hour": 7, "minute": 57, "second": 11}
